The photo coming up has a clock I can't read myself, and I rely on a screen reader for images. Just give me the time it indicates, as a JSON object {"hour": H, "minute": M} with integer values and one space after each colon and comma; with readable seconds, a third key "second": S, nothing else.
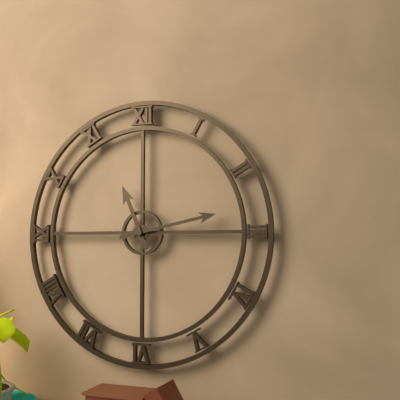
{"hour": 11, "minute": 13}
